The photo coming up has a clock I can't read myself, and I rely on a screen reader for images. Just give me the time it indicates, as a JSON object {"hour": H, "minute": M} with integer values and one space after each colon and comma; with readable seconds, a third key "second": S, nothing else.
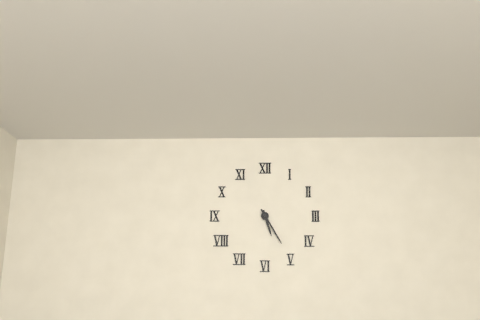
{"hour": 5, "minute": 25}
